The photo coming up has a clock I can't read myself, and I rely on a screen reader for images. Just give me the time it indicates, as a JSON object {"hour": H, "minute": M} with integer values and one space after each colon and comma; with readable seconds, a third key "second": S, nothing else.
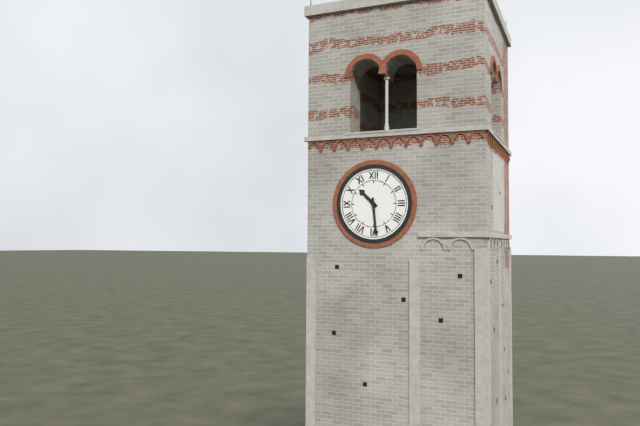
{"hour": 10, "minute": 29}
